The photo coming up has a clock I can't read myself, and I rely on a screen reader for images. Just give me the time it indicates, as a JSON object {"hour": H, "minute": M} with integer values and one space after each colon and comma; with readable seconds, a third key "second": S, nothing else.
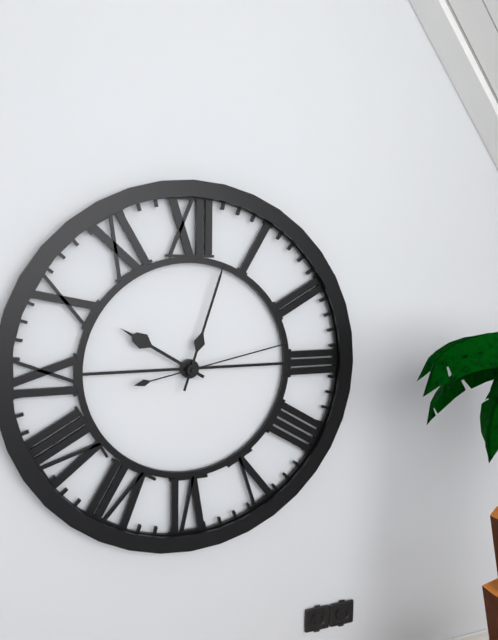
{"hour": 10, "minute": 3, "second": 13}
